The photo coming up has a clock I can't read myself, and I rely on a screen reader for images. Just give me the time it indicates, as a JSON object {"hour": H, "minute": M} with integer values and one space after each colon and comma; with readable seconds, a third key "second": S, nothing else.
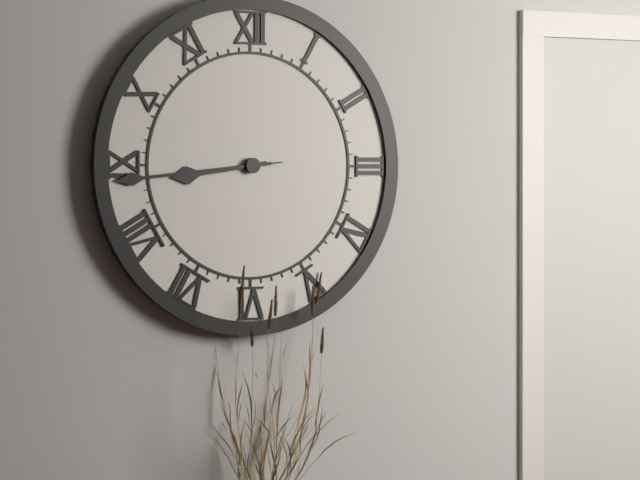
{"hour": 8, "minute": 44, "second": 44}
